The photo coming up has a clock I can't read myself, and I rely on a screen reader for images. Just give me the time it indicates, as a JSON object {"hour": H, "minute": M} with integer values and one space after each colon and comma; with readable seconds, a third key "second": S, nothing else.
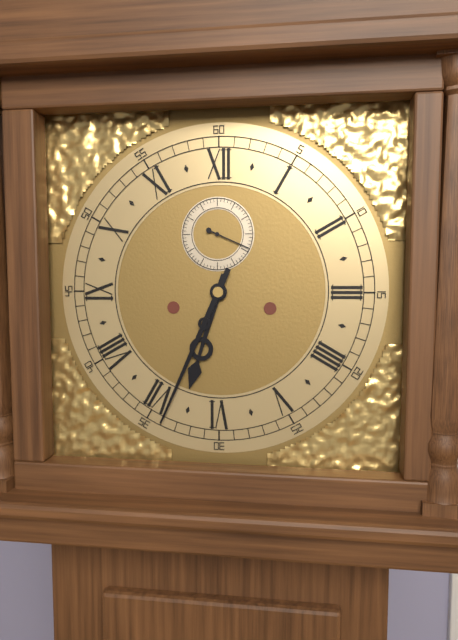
{"hour": 6, "minute": 34}
